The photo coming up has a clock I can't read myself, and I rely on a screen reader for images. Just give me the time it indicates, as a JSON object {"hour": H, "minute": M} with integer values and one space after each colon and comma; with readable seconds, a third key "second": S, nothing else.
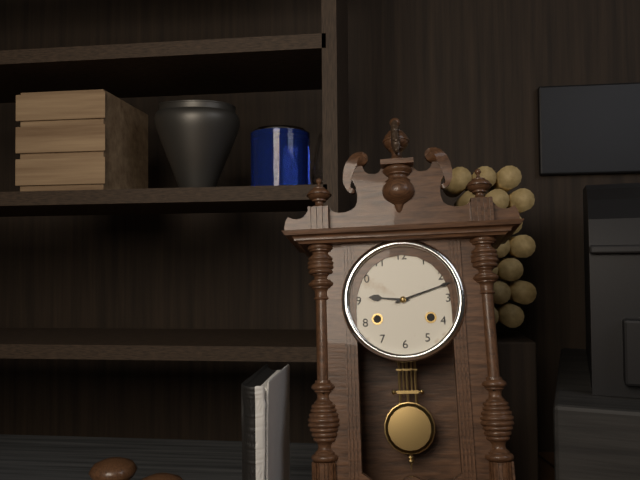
{"hour": 9, "minute": 12}
